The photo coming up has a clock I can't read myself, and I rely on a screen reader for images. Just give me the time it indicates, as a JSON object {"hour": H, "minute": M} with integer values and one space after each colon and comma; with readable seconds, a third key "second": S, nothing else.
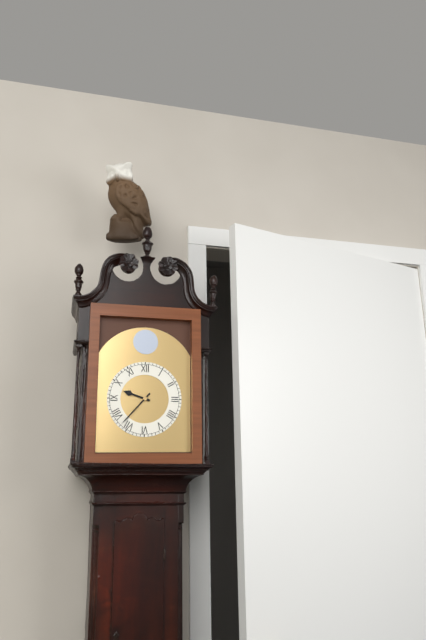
{"hour": 9, "minute": 37}
